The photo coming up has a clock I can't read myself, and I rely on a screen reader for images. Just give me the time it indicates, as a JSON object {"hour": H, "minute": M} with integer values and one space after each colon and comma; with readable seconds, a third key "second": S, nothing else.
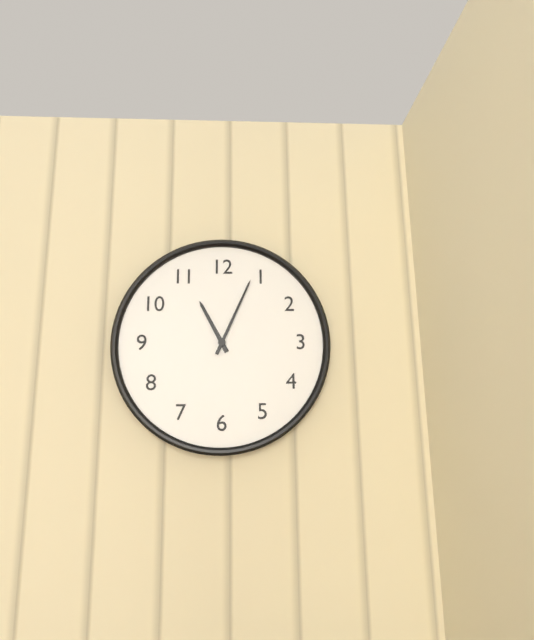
{"hour": 11, "minute": 4}
